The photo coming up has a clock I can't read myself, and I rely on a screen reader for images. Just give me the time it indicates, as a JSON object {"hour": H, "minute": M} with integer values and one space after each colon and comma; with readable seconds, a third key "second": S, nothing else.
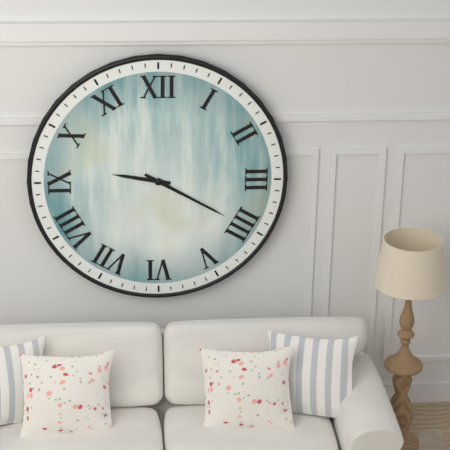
{"hour": 9, "minute": 20}
